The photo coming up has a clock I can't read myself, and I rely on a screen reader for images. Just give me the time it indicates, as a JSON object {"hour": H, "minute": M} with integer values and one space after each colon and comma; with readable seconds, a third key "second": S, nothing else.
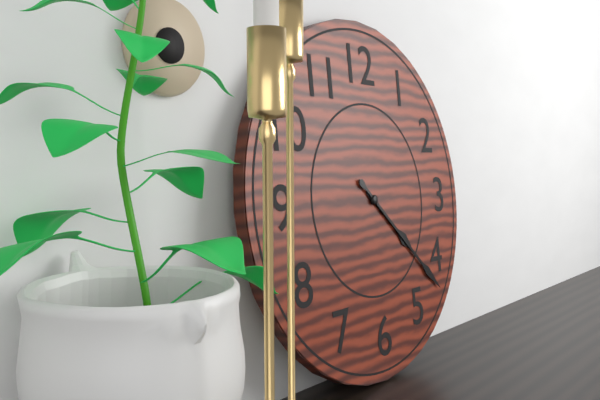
{"hour": 4, "minute": 22}
